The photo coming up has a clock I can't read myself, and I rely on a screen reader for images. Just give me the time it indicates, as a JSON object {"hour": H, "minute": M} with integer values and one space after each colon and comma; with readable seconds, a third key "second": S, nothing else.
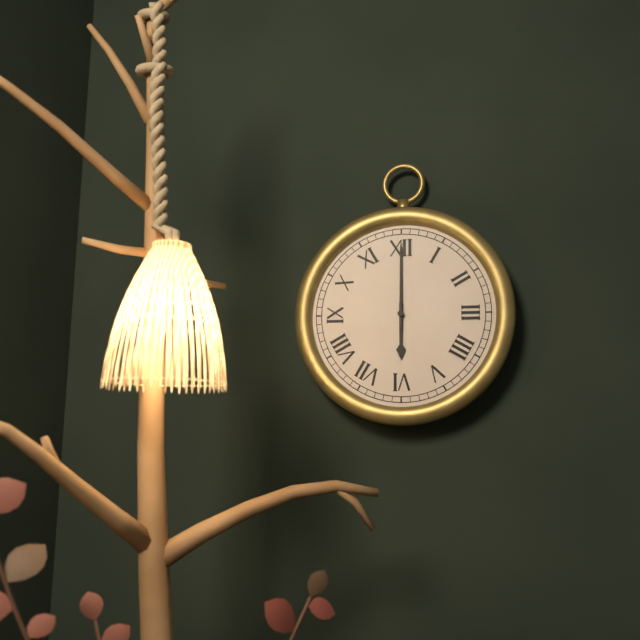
{"hour": 6, "minute": 0}
